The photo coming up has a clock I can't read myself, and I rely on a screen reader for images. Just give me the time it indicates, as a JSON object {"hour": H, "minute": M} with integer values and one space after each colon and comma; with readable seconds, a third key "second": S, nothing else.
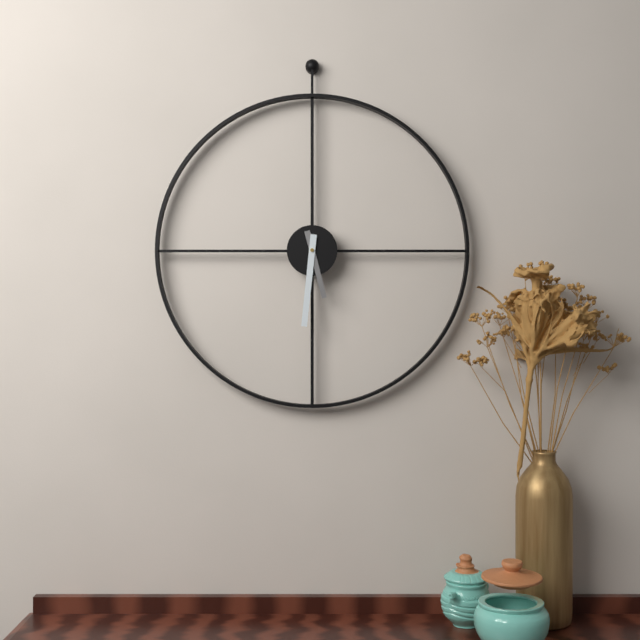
{"hour": 5, "minute": 31}
